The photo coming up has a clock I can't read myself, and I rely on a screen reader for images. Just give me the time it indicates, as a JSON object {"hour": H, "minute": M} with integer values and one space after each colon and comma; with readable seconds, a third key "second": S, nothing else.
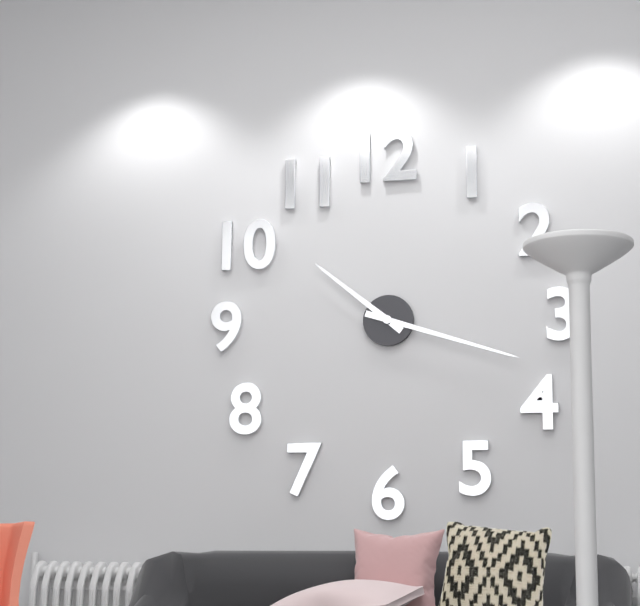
{"hour": 10, "minute": 18}
